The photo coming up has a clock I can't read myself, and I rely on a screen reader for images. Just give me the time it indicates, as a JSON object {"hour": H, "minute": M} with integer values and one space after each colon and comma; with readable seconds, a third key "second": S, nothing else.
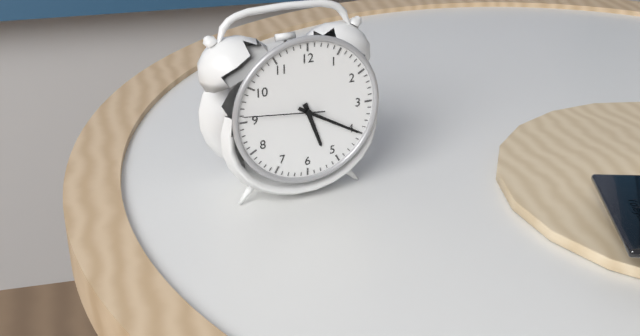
{"hour": 5, "minute": 20, "second": 46}
